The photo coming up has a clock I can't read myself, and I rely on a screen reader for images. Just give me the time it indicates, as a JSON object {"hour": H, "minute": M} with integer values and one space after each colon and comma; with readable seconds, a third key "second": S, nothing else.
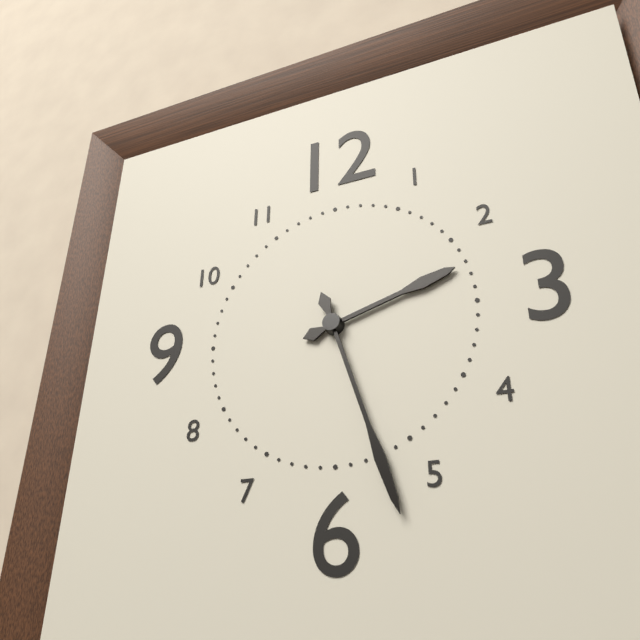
{"hour": 2, "minute": 27}
